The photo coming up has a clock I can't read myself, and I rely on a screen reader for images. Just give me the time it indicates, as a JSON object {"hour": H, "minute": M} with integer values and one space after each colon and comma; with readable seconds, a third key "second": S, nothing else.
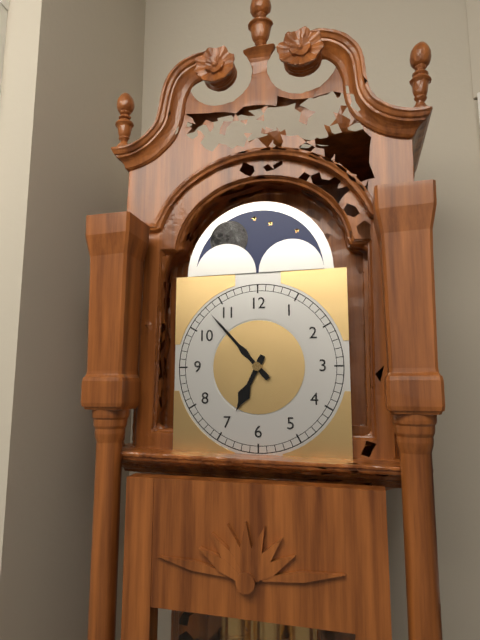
{"hour": 6, "minute": 53}
